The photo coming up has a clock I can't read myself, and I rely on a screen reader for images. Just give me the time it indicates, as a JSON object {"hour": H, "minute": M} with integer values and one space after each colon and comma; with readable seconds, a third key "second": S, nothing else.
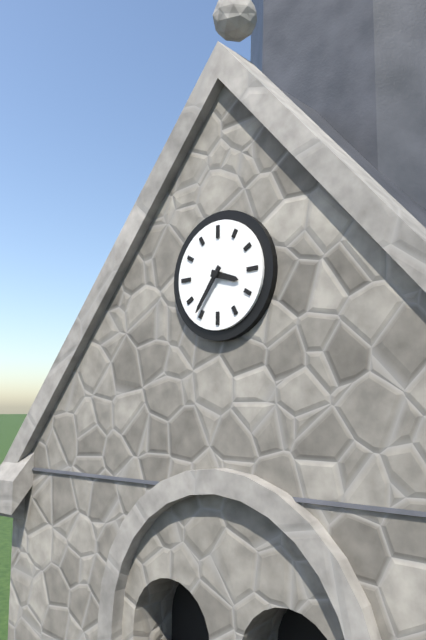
{"hour": 3, "minute": 36}
